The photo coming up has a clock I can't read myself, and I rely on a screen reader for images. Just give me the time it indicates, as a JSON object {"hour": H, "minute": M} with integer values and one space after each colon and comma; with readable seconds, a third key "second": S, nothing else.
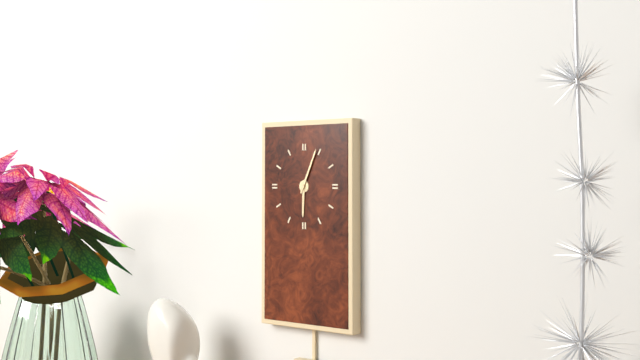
{"hour": 6, "minute": 4}
